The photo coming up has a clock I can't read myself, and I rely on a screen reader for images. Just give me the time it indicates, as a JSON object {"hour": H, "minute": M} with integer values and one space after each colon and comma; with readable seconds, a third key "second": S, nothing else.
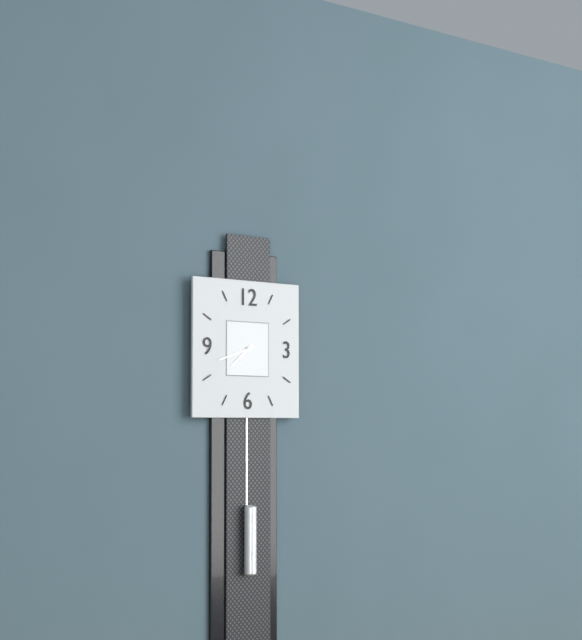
{"hour": 7, "minute": 42}
